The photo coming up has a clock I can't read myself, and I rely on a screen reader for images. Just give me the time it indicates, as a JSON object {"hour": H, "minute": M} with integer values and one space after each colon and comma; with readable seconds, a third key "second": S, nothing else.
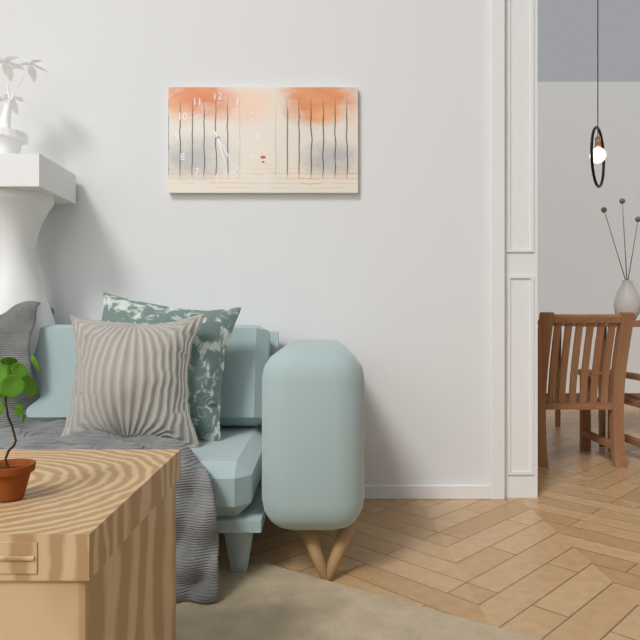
{"hour": 5, "minute": 25}
